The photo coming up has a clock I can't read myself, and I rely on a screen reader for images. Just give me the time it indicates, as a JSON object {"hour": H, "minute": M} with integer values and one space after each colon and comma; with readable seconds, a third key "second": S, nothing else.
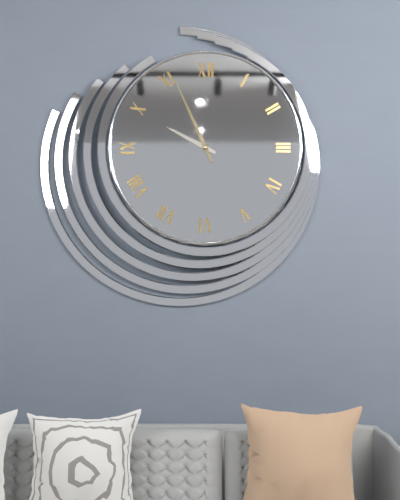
{"hour": 9, "minute": 56}
